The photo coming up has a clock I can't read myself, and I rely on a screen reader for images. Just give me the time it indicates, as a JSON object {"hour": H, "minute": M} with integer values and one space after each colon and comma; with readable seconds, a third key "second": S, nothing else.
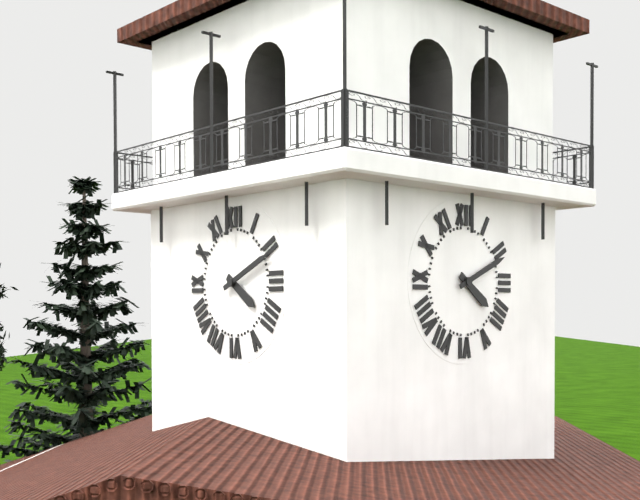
{"hour": 4, "minute": 11}
